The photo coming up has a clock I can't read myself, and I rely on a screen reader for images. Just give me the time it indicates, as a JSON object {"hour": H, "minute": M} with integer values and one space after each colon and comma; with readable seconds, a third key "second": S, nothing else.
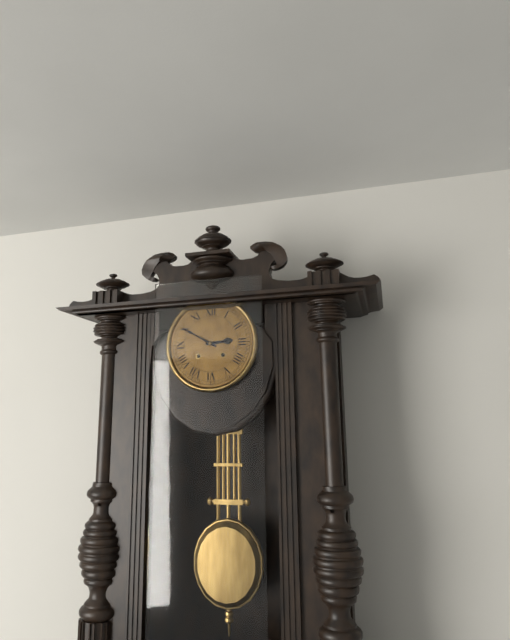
{"hour": 2, "minute": 50}
